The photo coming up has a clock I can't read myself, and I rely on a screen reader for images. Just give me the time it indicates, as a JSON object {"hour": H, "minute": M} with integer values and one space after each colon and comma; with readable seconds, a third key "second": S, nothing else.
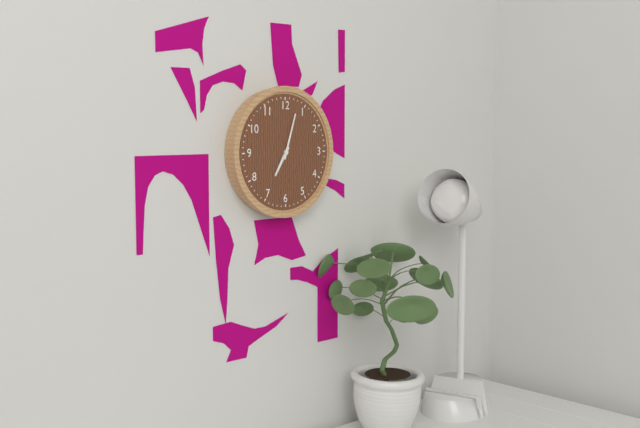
{"hour": 7, "minute": 3}
